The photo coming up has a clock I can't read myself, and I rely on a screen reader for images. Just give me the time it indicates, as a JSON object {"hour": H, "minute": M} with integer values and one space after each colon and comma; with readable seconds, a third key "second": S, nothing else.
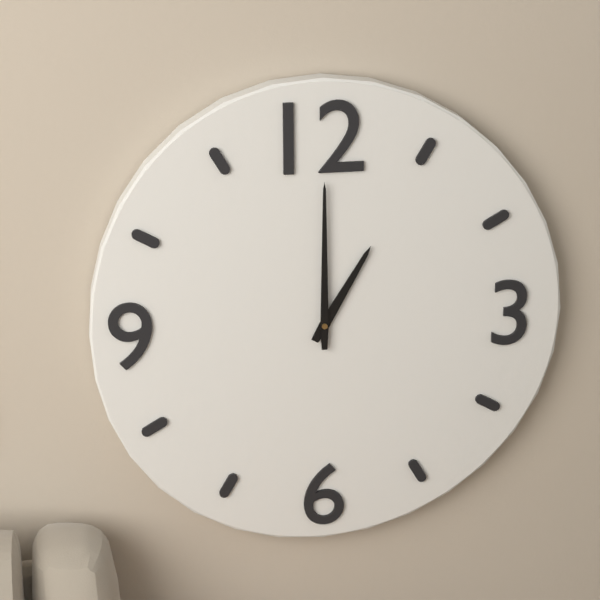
{"hour": 1, "minute": 0}
